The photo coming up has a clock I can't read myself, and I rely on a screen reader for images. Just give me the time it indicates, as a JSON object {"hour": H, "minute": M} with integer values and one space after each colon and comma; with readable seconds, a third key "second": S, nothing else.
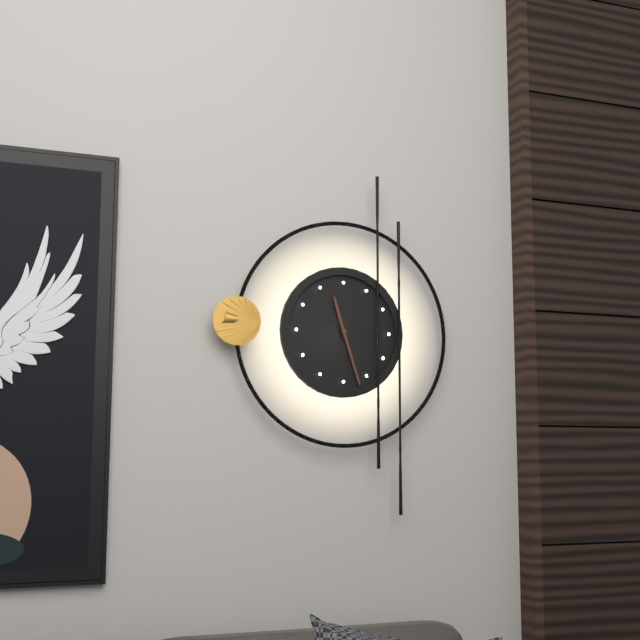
{"hour": 11, "minute": 27}
